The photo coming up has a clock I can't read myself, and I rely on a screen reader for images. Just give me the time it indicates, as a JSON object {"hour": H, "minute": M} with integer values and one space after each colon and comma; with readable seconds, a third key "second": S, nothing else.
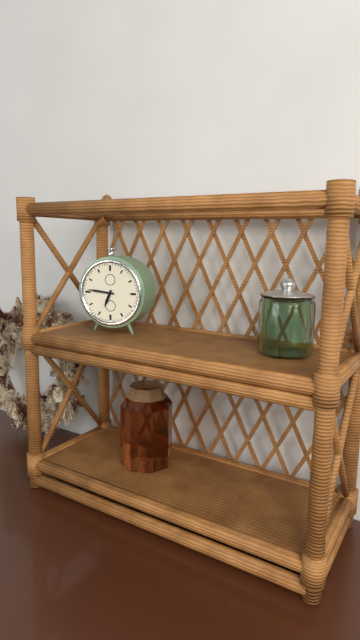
{"hour": 6, "minute": 46}
